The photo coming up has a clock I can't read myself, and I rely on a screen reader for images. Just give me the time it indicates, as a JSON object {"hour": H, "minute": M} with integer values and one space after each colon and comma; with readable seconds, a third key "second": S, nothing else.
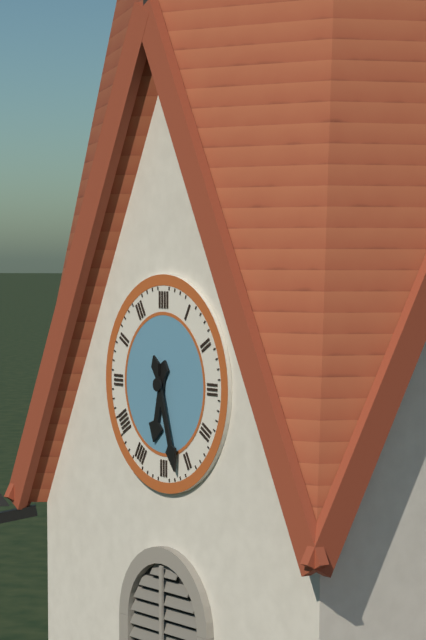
{"hour": 6, "minute": 27}
